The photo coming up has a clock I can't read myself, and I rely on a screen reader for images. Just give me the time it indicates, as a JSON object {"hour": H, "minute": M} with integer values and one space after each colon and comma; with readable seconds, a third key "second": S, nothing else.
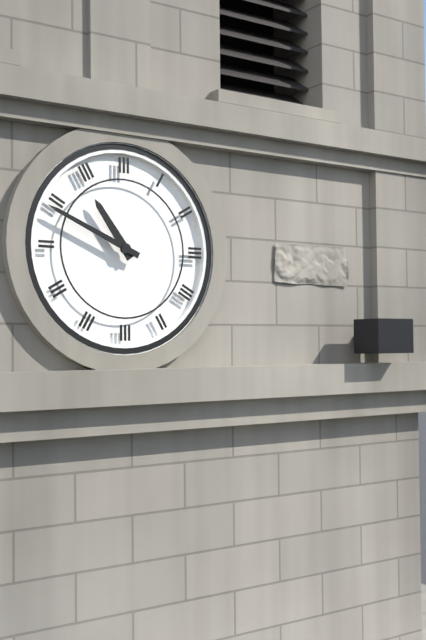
{"hour": 10, "minute": 49}
